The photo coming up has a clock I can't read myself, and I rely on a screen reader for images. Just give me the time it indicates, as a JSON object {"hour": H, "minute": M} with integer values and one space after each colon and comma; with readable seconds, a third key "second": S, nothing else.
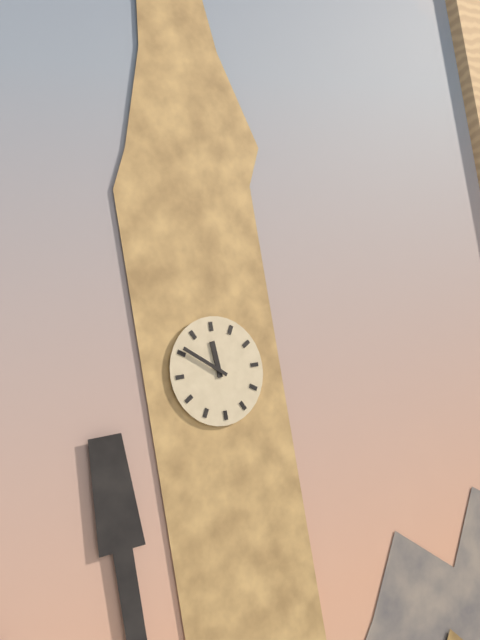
{"hour": 11, "minute": 51}
